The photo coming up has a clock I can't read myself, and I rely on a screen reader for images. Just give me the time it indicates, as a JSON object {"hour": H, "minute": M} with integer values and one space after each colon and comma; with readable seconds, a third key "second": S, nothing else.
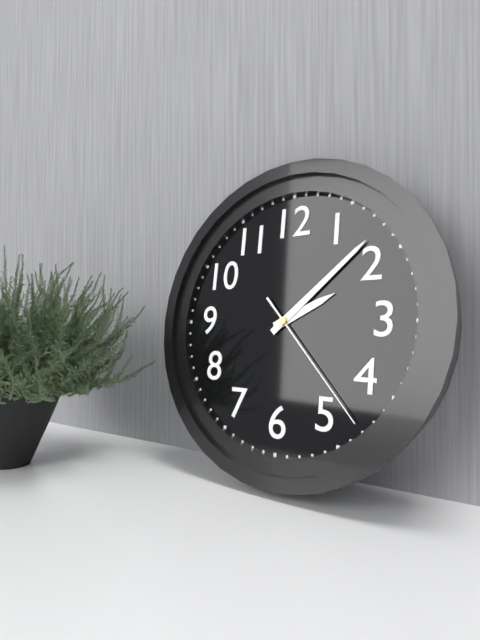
{"hour": 2, "minute": 8, "second": 23}
